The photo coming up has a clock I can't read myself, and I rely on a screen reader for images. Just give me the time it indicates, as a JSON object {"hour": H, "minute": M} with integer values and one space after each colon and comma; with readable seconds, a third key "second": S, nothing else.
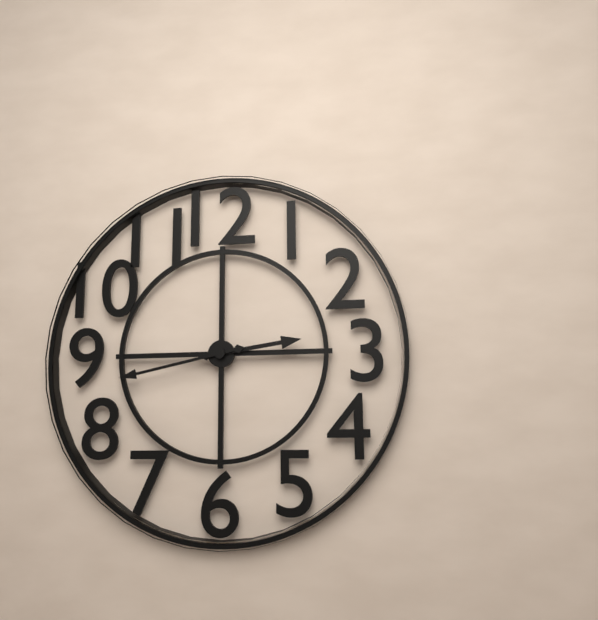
{"hour": 2, "minute": 43}
